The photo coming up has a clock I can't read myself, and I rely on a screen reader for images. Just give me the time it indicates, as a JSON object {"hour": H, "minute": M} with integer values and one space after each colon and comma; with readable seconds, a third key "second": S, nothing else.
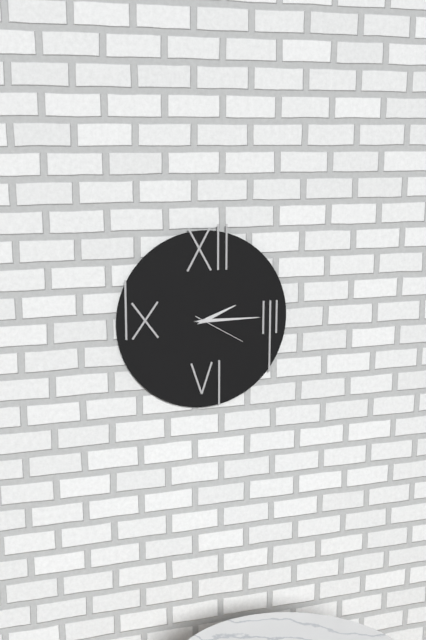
{"hour": 2, "minute": 15, "second": 20}
